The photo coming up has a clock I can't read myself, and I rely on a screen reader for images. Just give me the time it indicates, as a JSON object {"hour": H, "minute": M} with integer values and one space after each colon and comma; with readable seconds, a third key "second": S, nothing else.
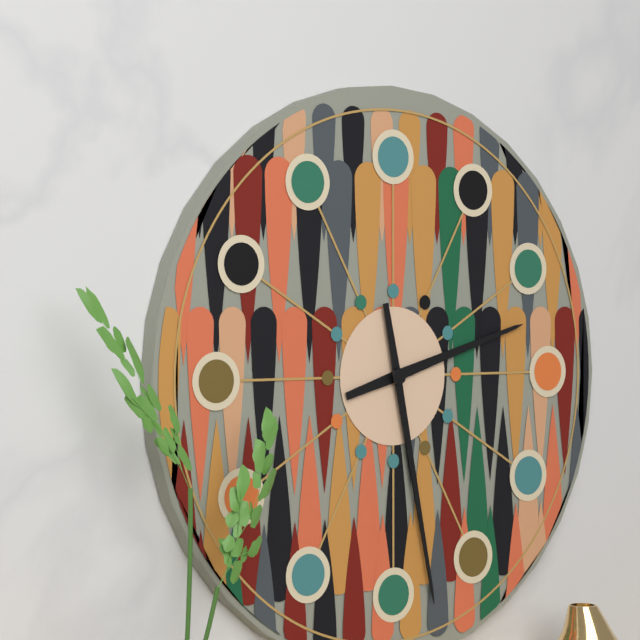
{"hour": 2, "minute": 28}
